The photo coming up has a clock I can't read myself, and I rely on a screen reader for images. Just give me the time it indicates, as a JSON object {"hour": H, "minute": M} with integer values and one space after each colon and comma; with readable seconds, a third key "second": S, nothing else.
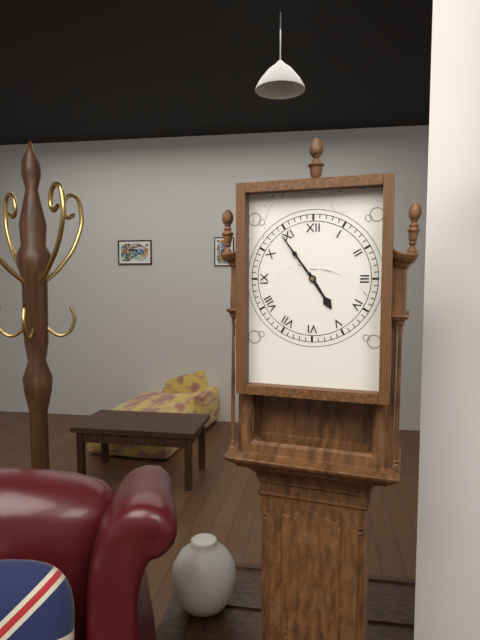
{"hour": 4, "minute": 54}
